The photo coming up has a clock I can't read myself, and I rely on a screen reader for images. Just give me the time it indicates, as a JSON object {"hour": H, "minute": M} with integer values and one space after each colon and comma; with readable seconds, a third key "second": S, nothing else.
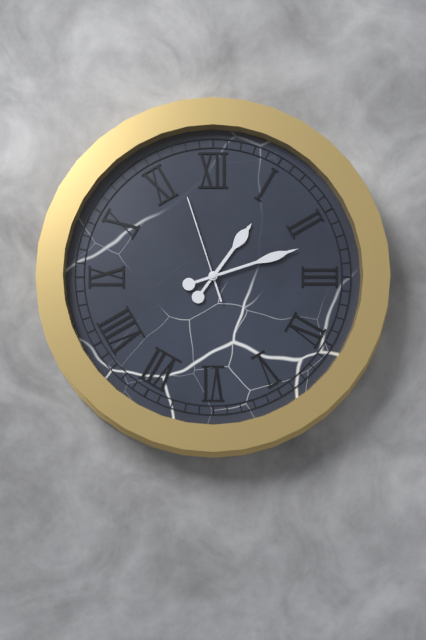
{"hour": 1, "minute": 12, "second": 57}
